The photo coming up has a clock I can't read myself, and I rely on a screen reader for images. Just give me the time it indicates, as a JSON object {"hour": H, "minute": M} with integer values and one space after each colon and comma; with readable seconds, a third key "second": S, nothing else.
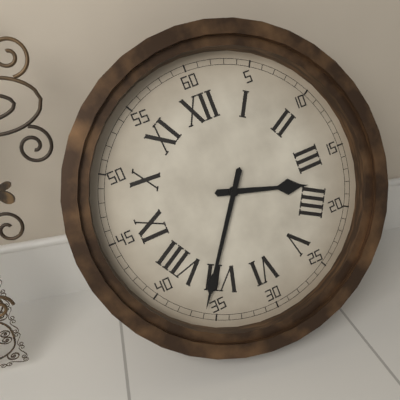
{"hour": 3, "minute": 36}
